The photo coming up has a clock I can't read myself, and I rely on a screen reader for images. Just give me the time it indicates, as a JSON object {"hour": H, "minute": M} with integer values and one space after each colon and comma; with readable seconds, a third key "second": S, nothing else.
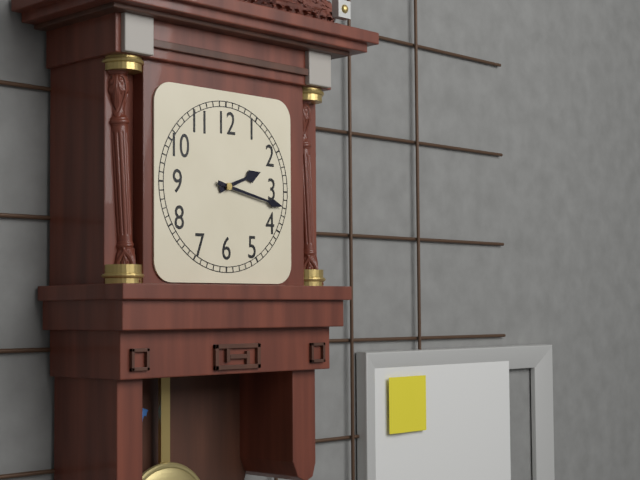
{"hour": 2, "minute": 17}
